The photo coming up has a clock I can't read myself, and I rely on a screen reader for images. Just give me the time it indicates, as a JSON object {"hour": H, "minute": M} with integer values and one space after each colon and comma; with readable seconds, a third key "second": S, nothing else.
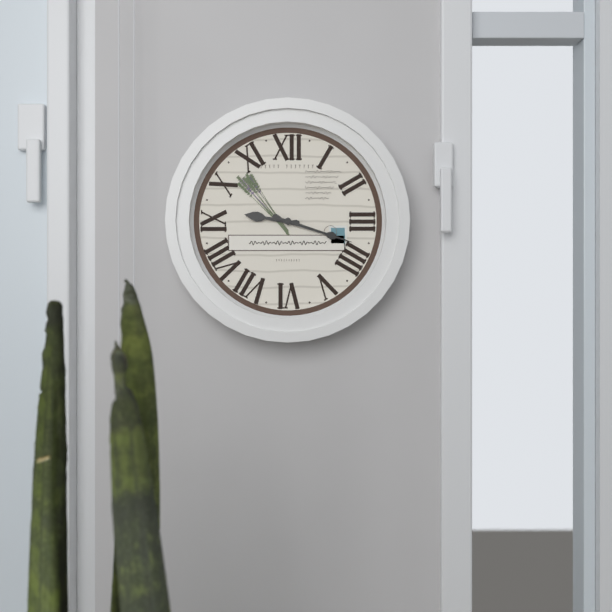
{"hour": 9, "minute": 18}
